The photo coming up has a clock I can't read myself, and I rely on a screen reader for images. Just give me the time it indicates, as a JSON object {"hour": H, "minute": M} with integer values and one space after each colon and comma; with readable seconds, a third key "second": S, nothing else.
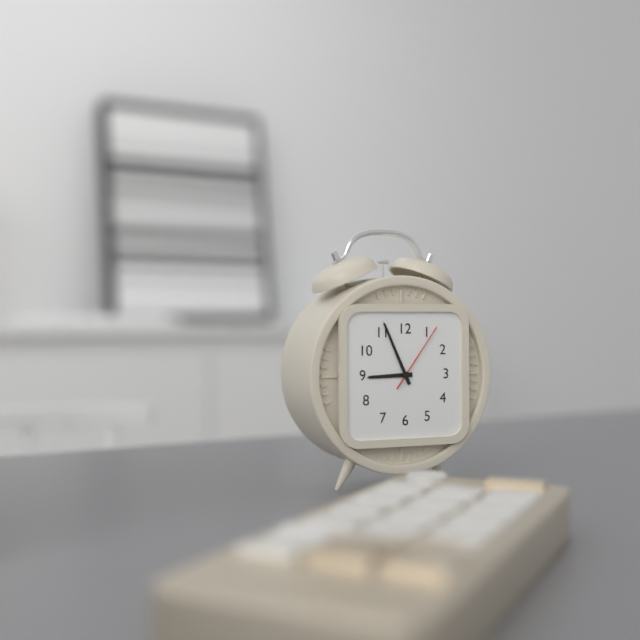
{"hour": 8, "minute": 56, "second": 6}
